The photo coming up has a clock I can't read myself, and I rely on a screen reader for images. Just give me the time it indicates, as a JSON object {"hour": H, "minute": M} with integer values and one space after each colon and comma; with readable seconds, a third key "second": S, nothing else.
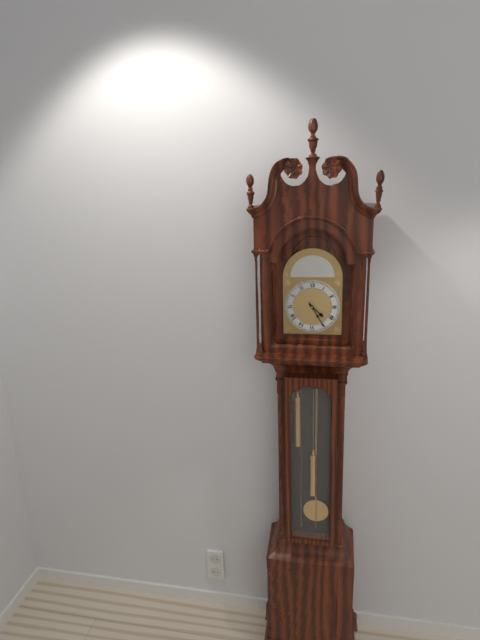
{"hour": 4, "minute": 25}
